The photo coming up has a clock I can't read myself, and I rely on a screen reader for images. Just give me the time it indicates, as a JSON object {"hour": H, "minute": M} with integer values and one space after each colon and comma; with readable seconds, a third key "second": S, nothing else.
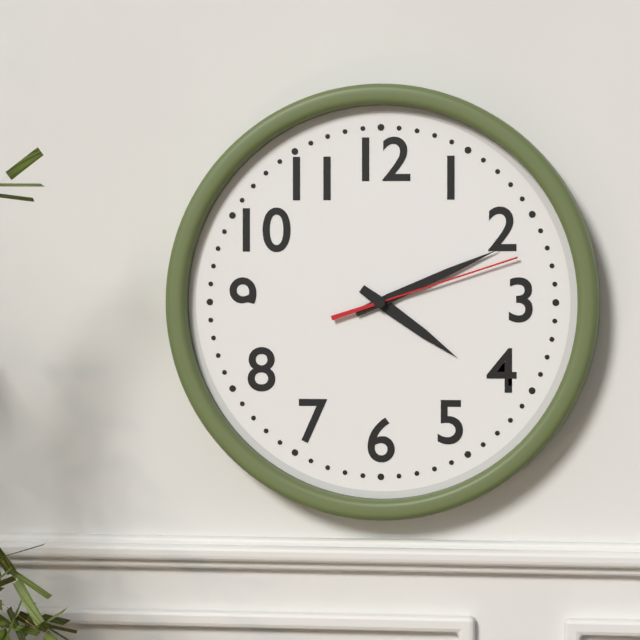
{"hour": 4, "minute": 11, "second": 12}
